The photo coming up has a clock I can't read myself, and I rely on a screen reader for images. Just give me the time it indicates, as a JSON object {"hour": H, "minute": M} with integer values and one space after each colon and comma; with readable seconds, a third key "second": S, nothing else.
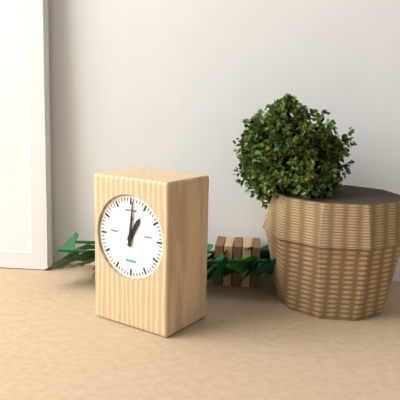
{"hour": 1, "minute": 1}
